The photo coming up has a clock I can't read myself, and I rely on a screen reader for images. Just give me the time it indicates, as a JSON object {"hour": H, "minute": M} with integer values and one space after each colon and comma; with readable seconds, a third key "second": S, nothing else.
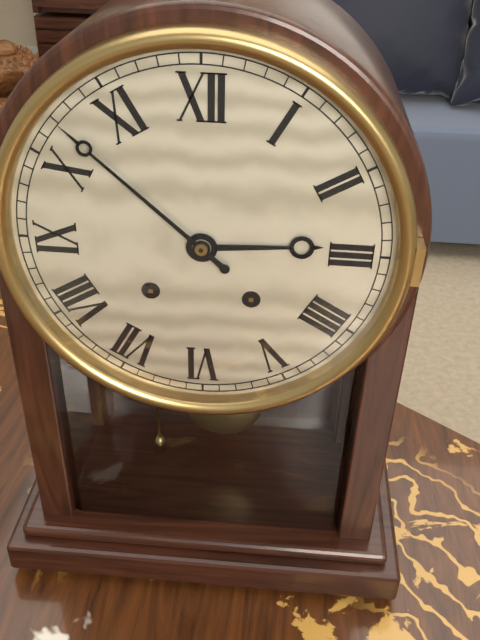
{"hour": 2, "minute": 52}
